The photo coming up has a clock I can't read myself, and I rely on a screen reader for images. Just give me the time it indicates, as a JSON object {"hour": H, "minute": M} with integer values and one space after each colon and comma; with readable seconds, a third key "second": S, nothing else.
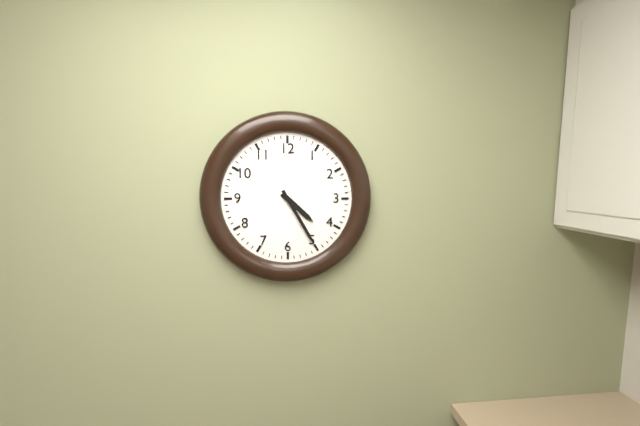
{"hour": 4, "minute": 25}
